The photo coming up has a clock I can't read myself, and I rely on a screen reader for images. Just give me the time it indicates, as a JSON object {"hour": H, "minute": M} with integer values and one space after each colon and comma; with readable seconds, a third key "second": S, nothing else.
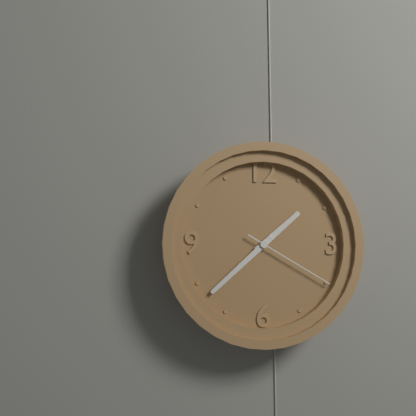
{"hour": 1, "minute": 38, "second": 20}
